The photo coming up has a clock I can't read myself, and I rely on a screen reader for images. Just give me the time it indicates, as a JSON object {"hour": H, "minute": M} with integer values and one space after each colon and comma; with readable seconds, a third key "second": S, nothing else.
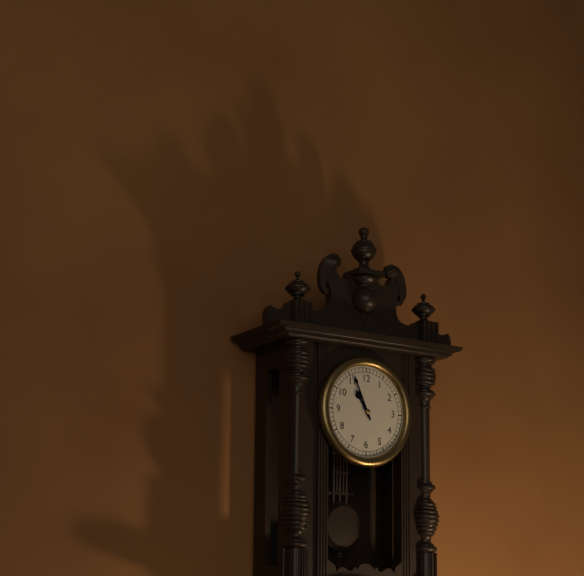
{"hour": 10, "minute": 56}
